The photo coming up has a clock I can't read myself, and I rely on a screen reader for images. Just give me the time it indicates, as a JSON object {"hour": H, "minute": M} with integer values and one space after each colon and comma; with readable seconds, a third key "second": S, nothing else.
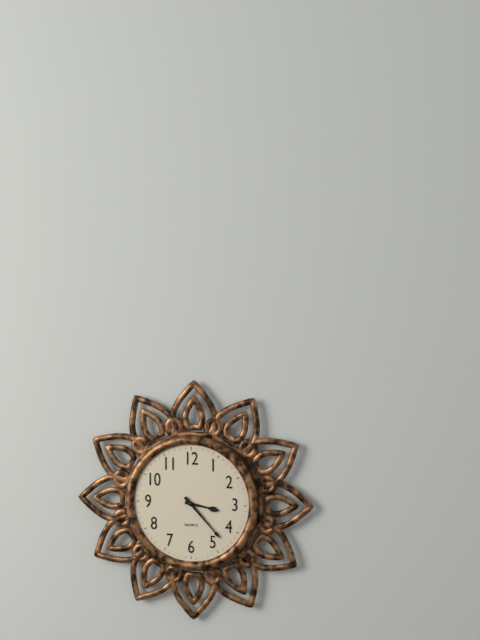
{"hour": 3, "minute": 23}
